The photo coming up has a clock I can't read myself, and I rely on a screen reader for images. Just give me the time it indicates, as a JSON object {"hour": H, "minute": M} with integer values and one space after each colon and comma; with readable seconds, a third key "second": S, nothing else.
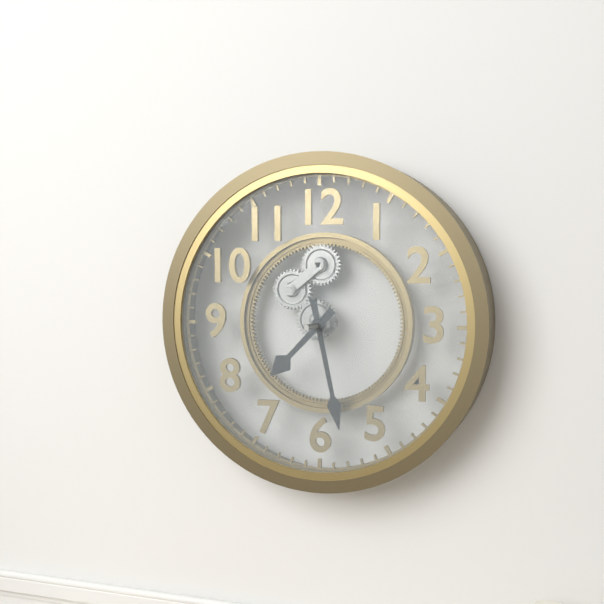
{"hour": 7, "minute": 28}
